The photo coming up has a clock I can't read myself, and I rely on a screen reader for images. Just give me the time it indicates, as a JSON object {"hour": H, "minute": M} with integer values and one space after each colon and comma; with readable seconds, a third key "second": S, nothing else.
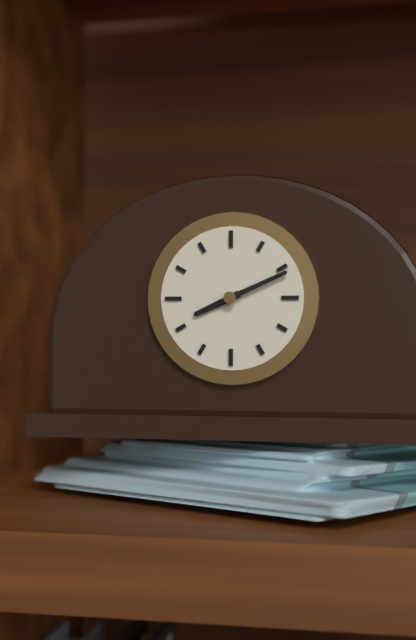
{"hour": 8, "minute": 11}
